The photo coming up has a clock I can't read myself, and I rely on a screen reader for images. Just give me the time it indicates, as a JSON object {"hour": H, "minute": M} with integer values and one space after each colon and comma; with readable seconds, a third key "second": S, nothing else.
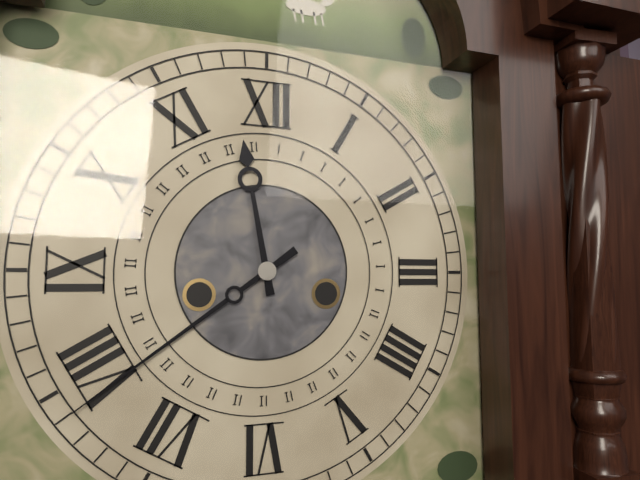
{"hour": 11, "minute": 39}
